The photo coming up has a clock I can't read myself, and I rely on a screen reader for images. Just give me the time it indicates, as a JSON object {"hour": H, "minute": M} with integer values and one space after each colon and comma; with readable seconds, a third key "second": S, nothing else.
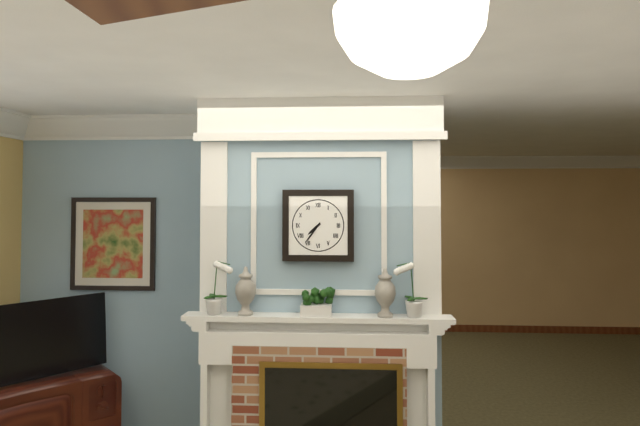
{"hour": 7, "minute": 36}
